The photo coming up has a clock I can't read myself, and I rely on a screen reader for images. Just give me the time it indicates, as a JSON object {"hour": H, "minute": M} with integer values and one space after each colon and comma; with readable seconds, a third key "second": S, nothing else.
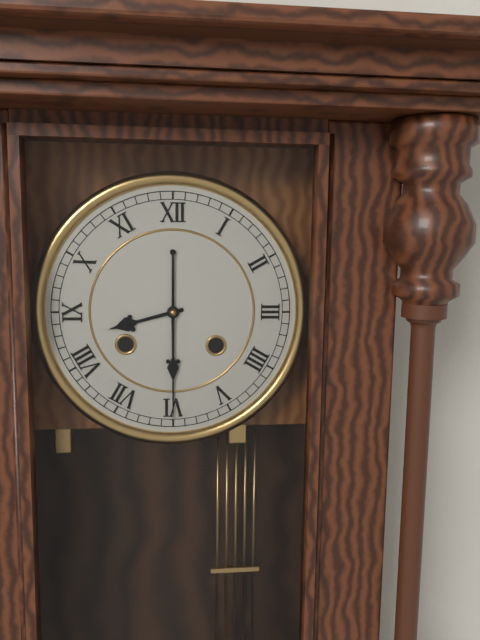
{"hour": 8, "minute": 30}
